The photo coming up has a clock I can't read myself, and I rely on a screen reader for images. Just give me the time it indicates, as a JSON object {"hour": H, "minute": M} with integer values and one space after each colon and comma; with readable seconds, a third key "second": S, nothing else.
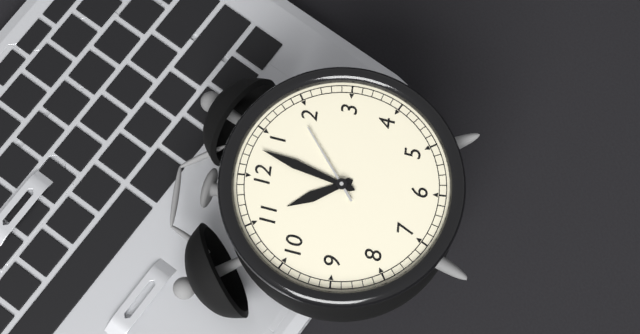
{"hour": 11, "minute": 3, "second": 9}
